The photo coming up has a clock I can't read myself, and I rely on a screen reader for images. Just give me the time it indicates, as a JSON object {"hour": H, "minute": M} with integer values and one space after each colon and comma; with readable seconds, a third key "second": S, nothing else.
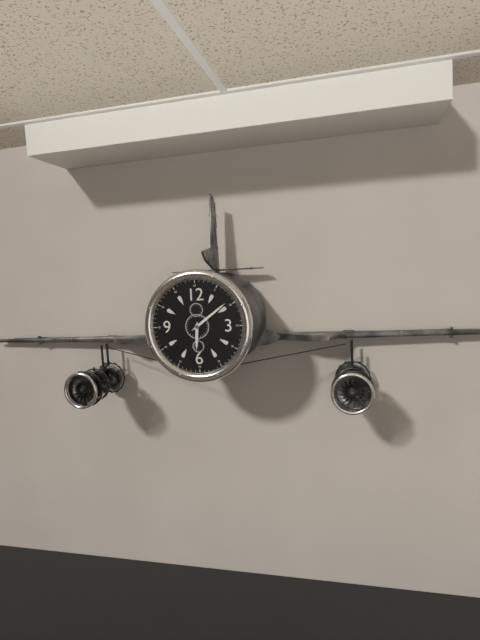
{"hour": 6, "minute": 9}
